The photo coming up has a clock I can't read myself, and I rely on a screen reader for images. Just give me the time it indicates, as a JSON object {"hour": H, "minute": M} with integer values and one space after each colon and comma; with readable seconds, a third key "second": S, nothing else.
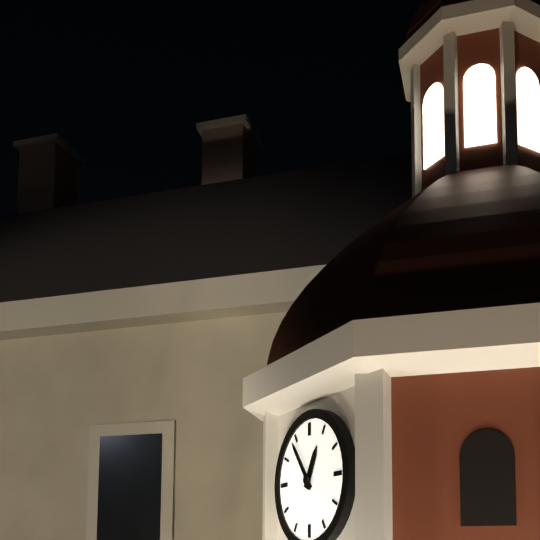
{"hour": 12, "minute": 54}
